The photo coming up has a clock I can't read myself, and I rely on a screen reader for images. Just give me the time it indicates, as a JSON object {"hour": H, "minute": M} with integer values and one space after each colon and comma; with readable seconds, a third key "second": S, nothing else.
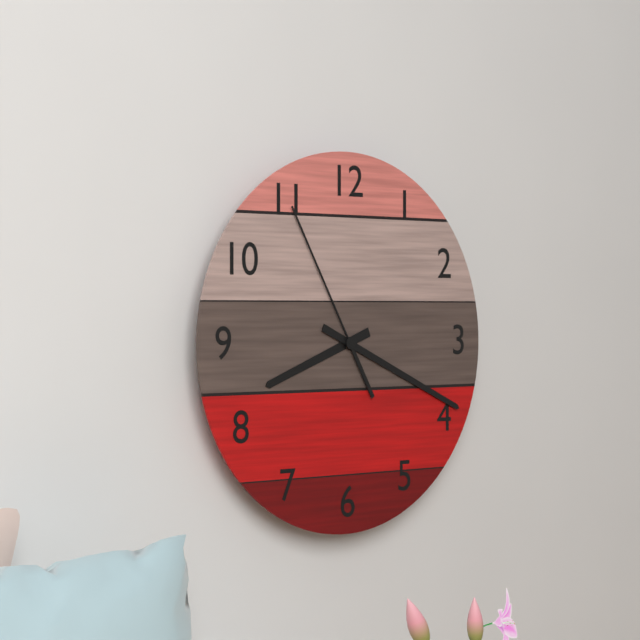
{"hour": 8, "minute": 19, "second": 55}
